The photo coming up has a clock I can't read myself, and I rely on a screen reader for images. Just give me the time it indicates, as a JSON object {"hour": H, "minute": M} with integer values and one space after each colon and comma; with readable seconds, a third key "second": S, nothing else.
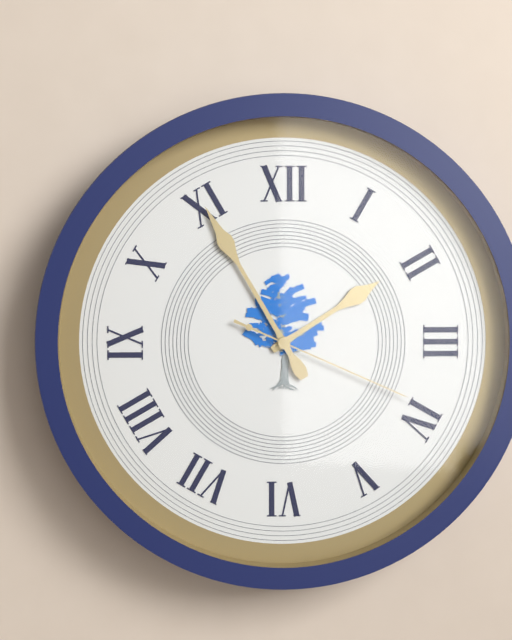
{"hour": 1, "minute": 55, "second": 19}
